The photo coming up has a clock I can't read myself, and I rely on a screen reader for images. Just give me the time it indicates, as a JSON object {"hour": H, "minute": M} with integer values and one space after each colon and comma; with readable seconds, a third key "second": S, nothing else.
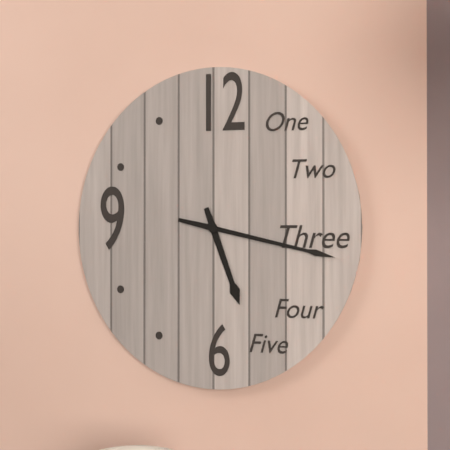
{"hour": 5, "minute": 17}
